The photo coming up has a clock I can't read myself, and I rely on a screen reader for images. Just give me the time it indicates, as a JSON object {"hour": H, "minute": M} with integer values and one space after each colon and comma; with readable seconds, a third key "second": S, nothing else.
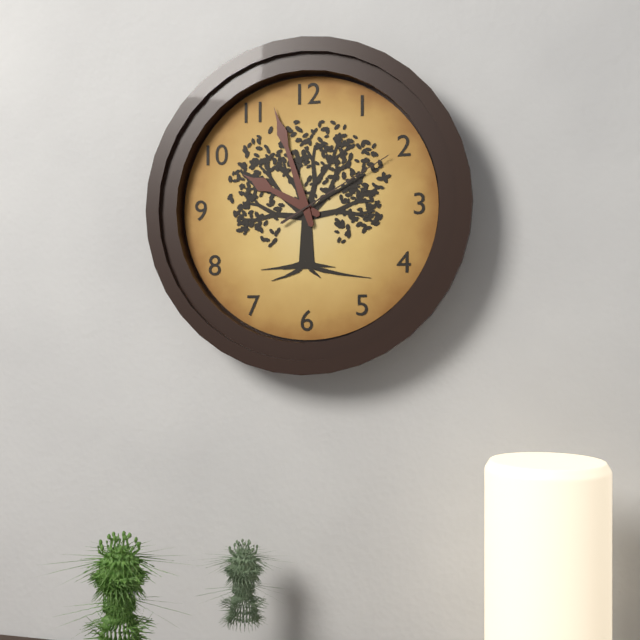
{"hour": 9, "minute": 57, "second": 10}
